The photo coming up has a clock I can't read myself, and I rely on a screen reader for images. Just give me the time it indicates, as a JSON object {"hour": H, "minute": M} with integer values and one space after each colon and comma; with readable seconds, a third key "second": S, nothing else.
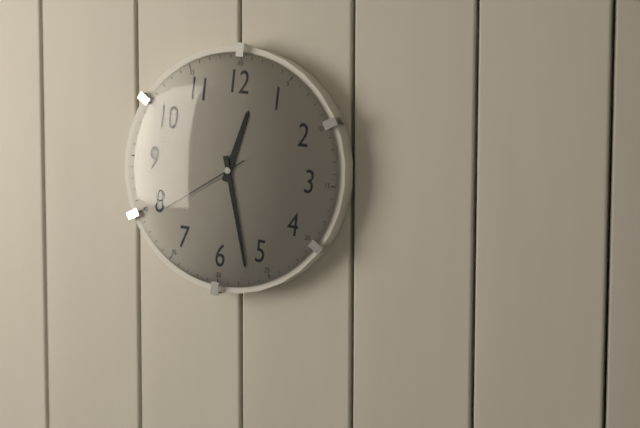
{"hour": 12, "minute": 27, "second": 39}
